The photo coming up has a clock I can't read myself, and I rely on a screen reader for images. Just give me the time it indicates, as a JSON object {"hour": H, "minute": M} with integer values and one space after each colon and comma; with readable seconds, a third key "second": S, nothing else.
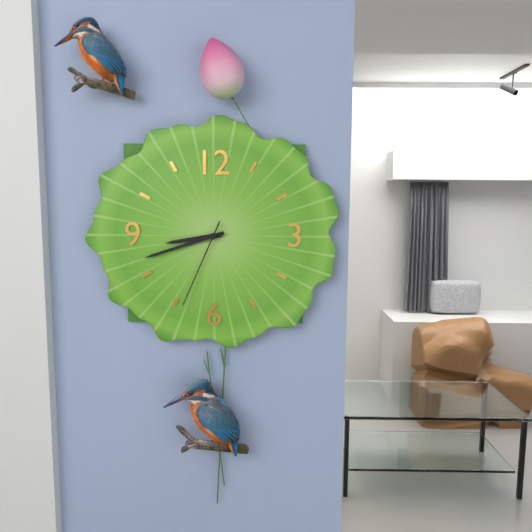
{"hour": 8, "minute": 42, "second": 34}
